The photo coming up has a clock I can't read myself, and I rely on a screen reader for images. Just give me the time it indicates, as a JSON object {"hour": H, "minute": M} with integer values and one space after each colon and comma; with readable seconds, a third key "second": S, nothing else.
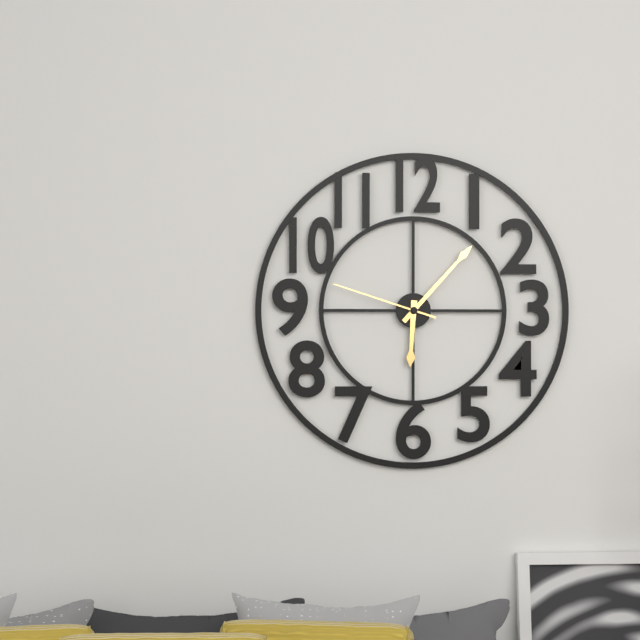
{"hour": 6, "minute": 7, "second": 48}
